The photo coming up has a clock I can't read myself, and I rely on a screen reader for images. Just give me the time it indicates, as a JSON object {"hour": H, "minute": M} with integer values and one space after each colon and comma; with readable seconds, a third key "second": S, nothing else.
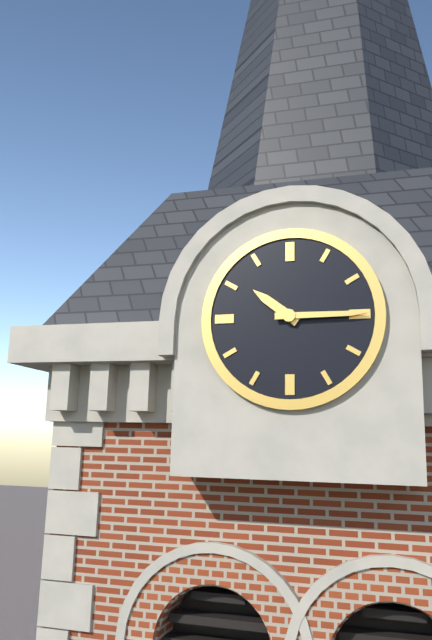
{"hour": 10, "minute": 15}
